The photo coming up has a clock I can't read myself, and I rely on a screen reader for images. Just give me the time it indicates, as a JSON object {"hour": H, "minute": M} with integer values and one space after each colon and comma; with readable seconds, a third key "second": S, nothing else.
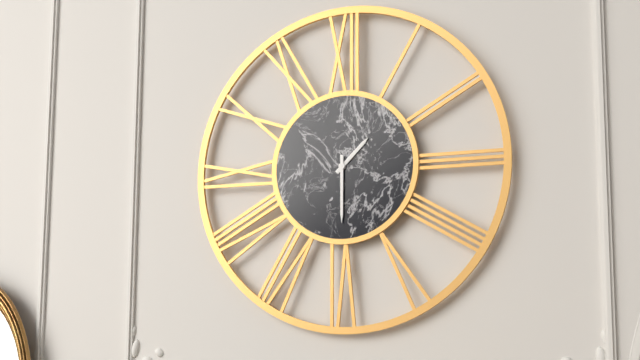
{"hour": 1, "minute": 30}
